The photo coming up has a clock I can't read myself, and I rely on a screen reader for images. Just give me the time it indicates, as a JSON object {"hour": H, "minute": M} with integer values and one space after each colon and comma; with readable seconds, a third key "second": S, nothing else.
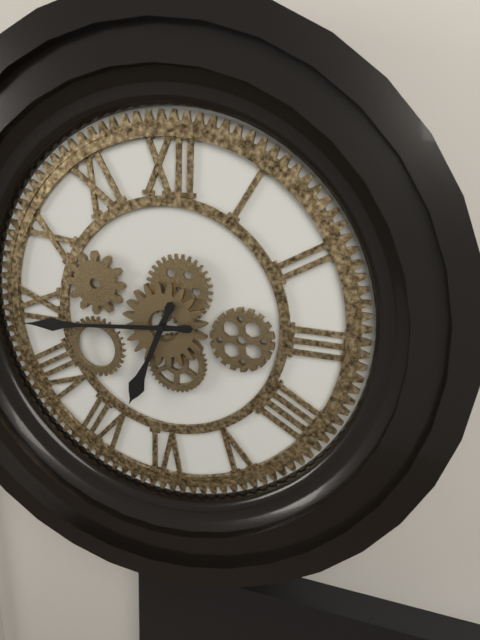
{"hour": 6, "minute": 44}
